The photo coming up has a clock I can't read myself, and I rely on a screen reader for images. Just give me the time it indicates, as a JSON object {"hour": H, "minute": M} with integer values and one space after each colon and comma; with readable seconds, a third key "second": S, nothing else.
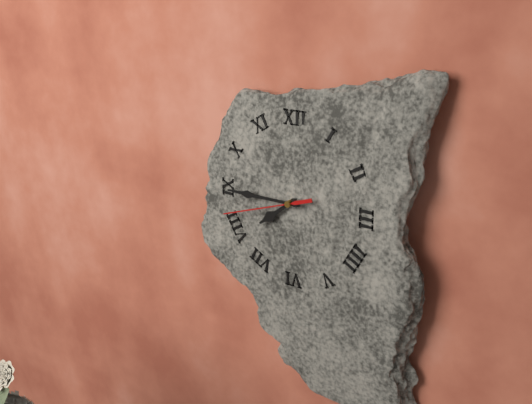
{"hour": 7, "minute": 45, "second": 42}
